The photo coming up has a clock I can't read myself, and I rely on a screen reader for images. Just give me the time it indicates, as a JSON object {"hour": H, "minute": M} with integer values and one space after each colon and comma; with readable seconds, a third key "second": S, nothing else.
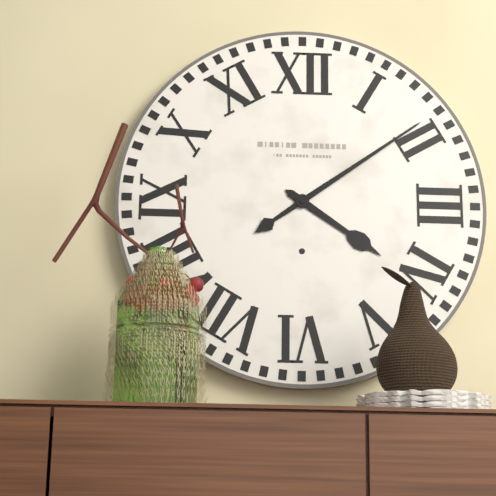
{"hour": 4, "minute": 9}
